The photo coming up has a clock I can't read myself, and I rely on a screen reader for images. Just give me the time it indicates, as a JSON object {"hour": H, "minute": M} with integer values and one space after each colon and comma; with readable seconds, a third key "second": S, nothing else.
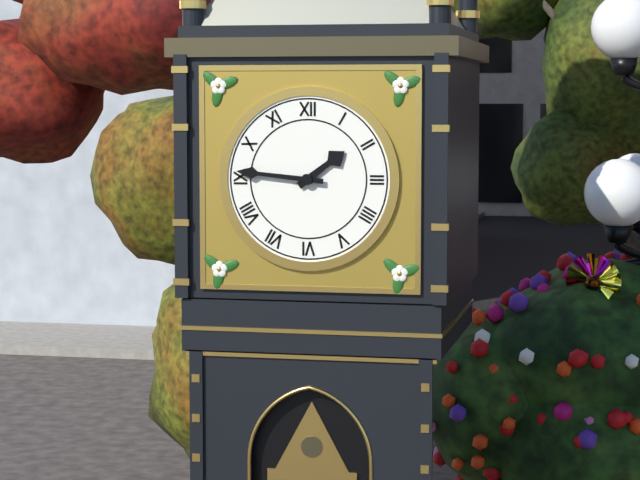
{"hour": 1, "minute": 46}
